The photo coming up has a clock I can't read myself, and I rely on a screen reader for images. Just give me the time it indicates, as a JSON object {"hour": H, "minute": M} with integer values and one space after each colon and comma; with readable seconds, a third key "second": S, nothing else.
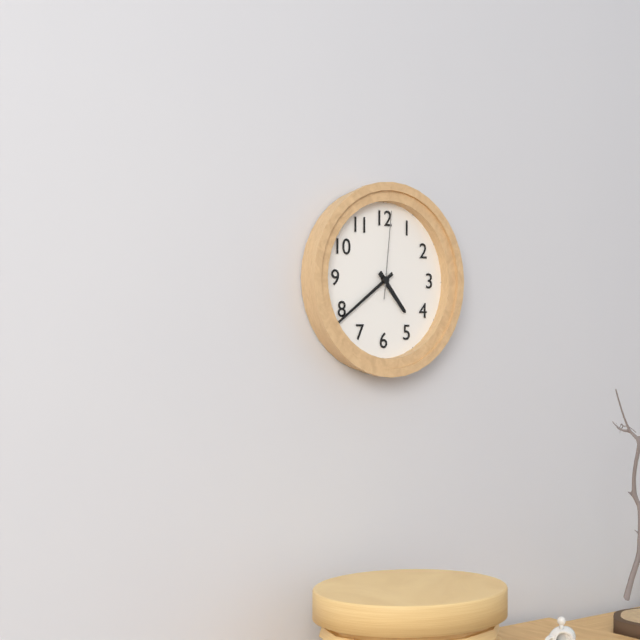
{"hour": 4, "minute": 39, "second": 1}
